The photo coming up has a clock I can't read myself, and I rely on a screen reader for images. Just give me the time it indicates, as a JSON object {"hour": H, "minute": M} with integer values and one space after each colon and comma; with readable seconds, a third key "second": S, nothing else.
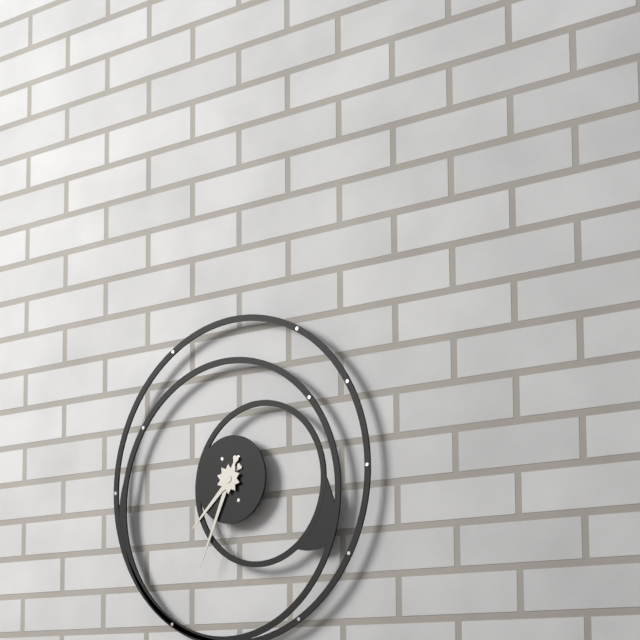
{"hour": 7, "minute": 34}
